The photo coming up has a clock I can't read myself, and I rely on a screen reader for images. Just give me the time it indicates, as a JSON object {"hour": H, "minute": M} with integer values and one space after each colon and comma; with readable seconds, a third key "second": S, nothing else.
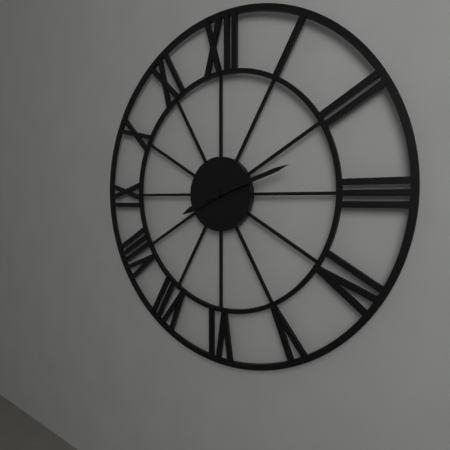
{"hour": 8, "minute": 12}
